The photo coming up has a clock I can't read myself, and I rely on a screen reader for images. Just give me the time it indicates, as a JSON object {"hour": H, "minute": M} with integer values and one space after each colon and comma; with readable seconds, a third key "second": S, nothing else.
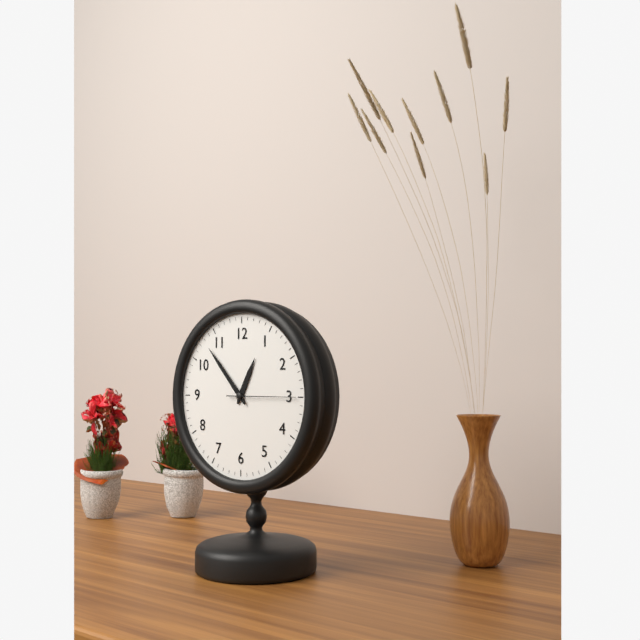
{"hour": 12, "minute": 53, "second": 15}
